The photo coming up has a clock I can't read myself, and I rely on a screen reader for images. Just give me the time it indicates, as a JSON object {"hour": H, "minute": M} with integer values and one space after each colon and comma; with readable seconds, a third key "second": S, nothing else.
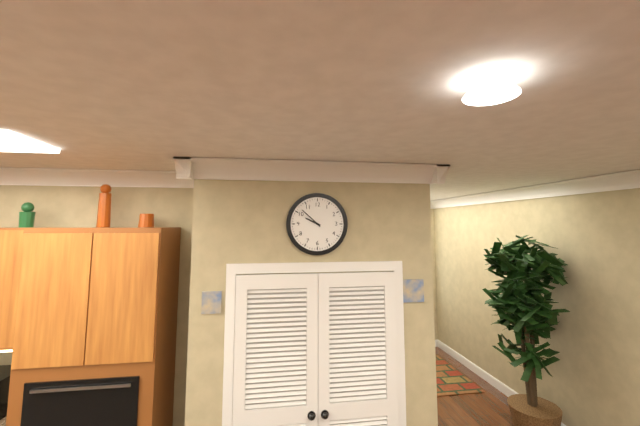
{"hour": 9, "minute": 52}
